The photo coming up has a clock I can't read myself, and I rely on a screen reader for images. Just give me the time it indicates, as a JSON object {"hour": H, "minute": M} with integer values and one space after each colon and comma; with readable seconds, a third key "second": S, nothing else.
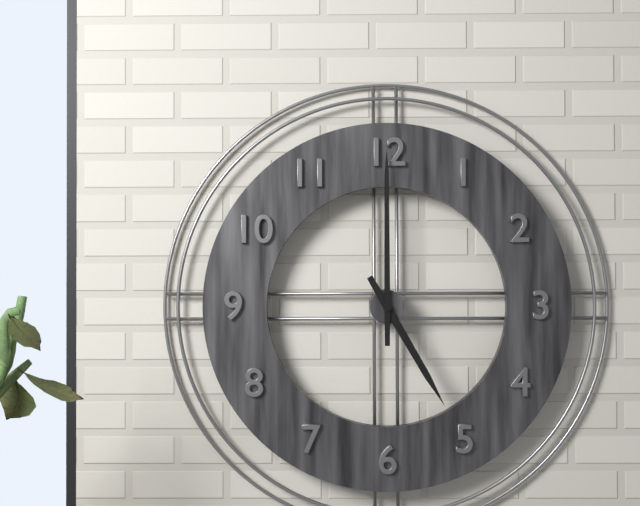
{"hour": 5, "minute": 0}
